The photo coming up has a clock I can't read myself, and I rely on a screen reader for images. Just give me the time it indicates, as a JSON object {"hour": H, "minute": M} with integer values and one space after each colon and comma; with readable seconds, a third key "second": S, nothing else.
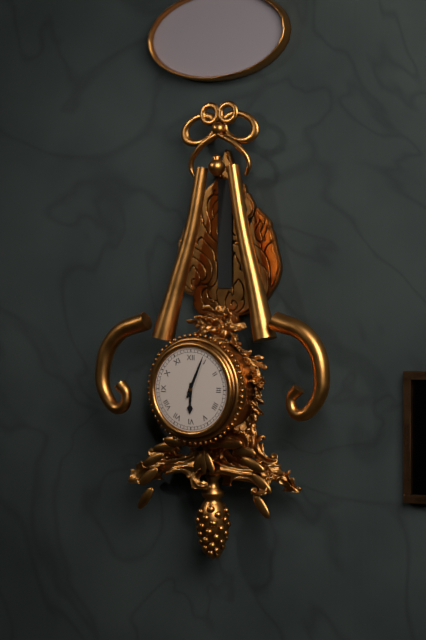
{"hour": 6, "minute": 4}
